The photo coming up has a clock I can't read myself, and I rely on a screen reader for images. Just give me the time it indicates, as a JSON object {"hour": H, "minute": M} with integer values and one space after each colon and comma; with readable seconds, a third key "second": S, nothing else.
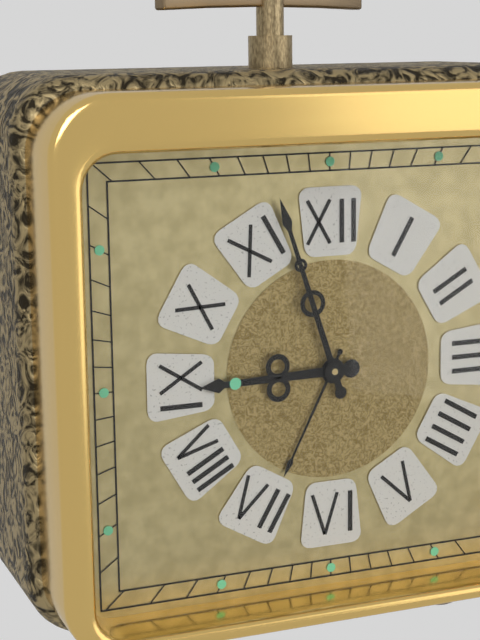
{"hour": 8, "minute": 57}
